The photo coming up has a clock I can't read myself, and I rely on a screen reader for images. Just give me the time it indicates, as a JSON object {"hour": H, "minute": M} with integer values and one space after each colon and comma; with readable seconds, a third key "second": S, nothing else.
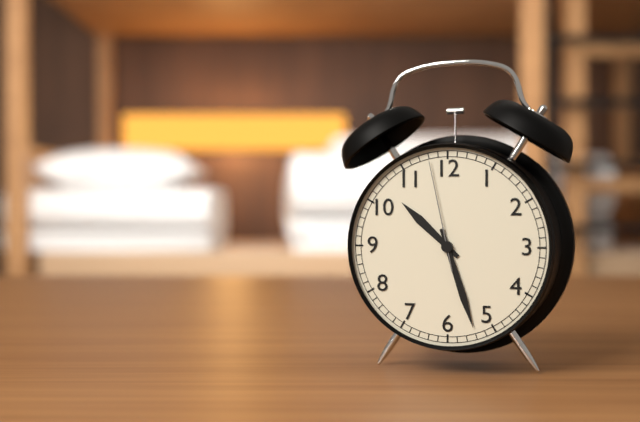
{"hour": 10, "minute": 27, "second": 58}
